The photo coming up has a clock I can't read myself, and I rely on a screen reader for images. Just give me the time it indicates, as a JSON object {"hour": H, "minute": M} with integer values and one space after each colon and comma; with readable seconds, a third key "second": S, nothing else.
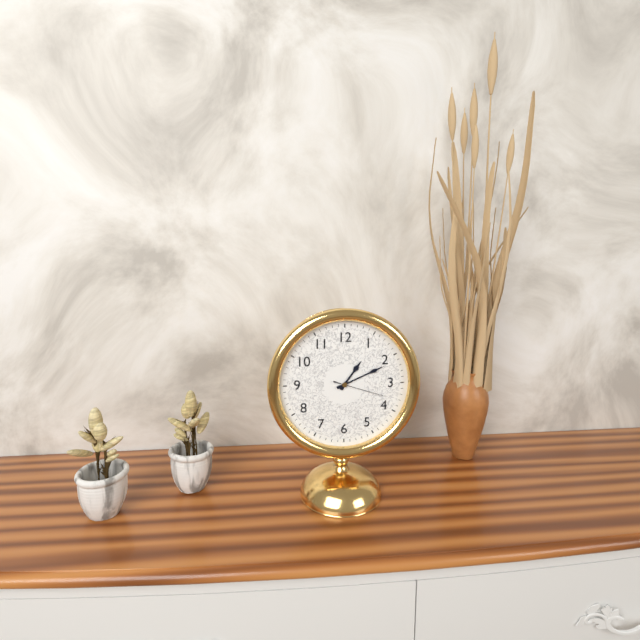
{"hour": 1, "minute": 11, "second": 18}
